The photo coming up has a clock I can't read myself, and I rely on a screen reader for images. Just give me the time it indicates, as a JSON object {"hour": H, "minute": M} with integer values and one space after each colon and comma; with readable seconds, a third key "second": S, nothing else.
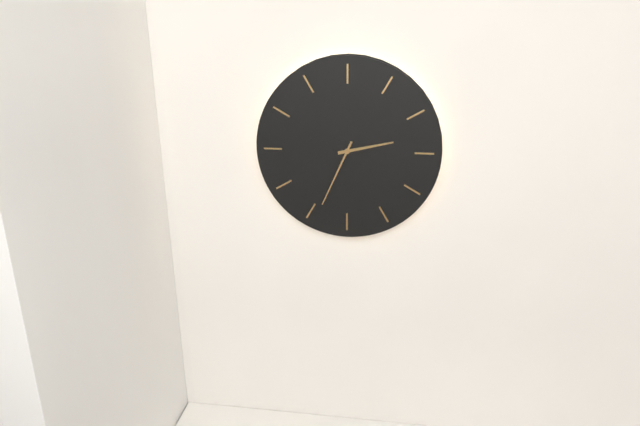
{"hour": 2, "minute": 34}
